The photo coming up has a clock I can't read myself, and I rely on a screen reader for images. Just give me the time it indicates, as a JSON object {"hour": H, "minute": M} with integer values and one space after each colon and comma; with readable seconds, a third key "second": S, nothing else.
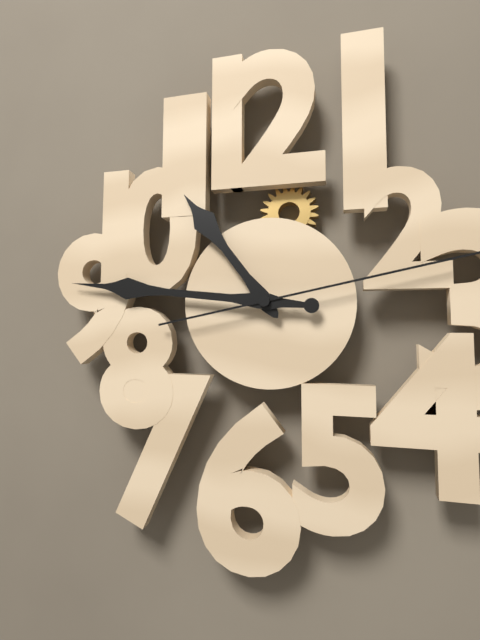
{"hour": 10, "minute": 46}
